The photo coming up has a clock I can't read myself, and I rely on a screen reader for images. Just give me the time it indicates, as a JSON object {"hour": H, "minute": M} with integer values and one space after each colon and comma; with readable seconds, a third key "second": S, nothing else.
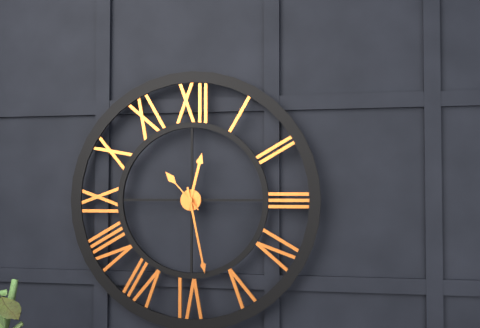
{"hour": 12, "minute": 28}
